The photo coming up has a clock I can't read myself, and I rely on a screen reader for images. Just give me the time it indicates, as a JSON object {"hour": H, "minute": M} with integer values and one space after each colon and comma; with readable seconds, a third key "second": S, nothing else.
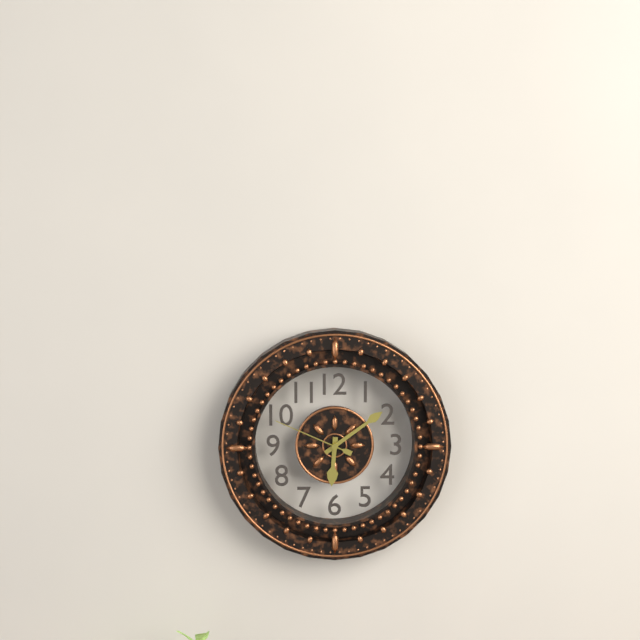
{"hour": 6, "minute": 9, "second": 49}
